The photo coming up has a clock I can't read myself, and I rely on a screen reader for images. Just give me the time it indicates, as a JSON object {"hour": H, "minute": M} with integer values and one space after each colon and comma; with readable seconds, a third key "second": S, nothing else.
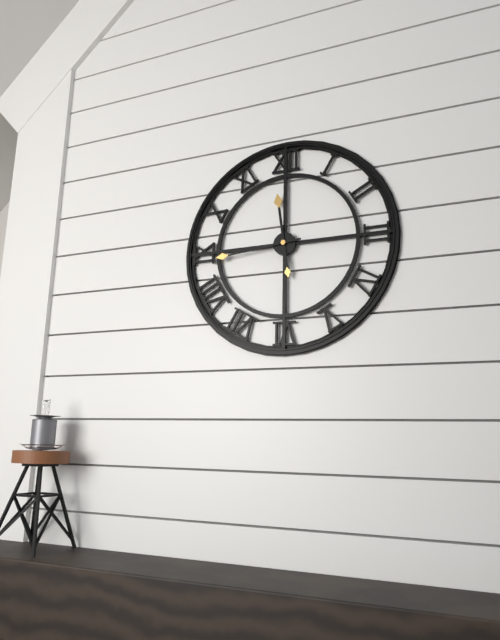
{"hour": 11, "minute": 44}
